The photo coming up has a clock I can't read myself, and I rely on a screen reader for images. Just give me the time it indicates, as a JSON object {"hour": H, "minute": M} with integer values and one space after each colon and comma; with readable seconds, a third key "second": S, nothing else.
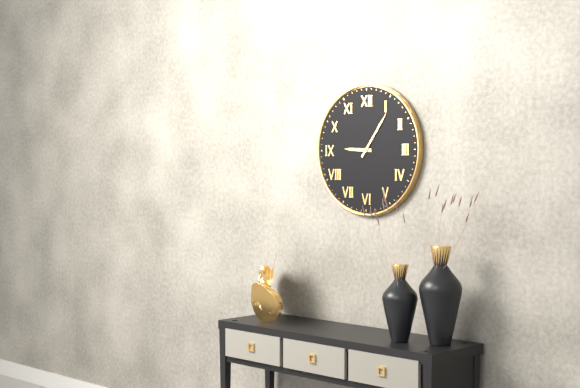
{"hour": 9, "minute": 6}
